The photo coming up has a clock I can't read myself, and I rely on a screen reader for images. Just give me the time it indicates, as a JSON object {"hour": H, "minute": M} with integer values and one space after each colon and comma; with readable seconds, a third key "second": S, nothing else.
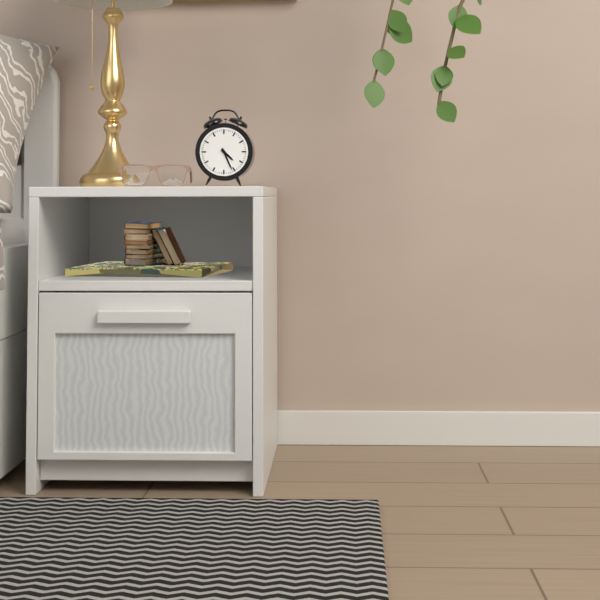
{"hour": 4, "minute": 26}
